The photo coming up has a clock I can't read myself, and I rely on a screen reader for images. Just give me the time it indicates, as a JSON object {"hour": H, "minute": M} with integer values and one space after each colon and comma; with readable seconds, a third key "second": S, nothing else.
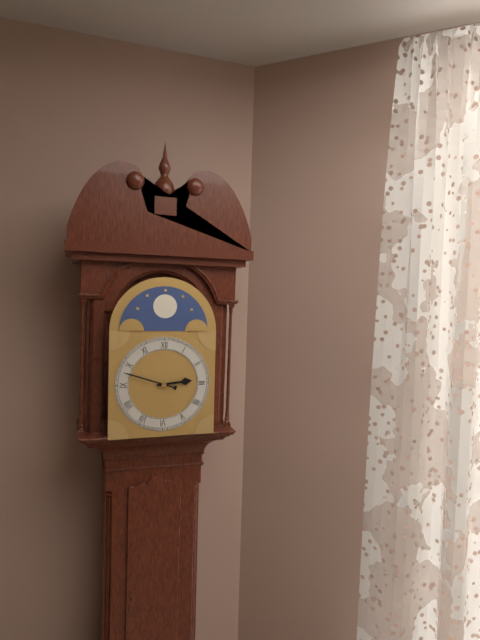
{"hour": 2, "minute": 48}
